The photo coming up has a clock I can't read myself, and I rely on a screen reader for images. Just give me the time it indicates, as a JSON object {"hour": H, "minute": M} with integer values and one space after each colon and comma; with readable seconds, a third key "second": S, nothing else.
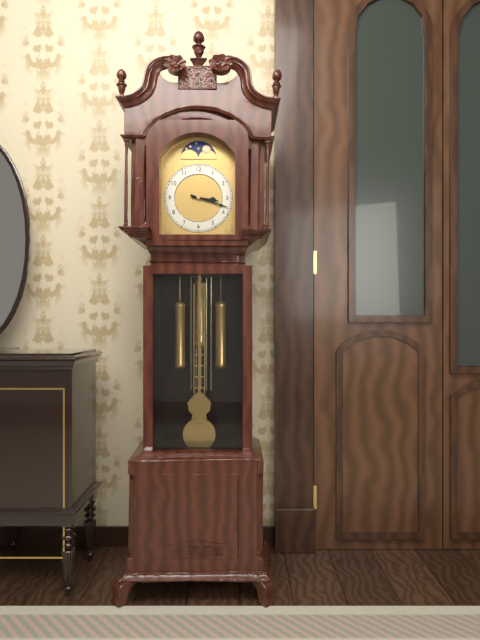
{"hour": 3, "minute": 18}
